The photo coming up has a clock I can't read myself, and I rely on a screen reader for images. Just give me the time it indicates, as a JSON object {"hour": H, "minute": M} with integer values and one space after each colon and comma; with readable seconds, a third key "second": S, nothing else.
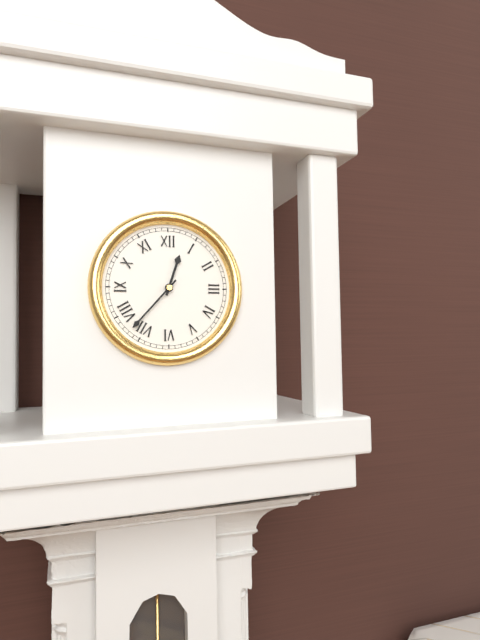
{"hour": 12, "minute": 37}
